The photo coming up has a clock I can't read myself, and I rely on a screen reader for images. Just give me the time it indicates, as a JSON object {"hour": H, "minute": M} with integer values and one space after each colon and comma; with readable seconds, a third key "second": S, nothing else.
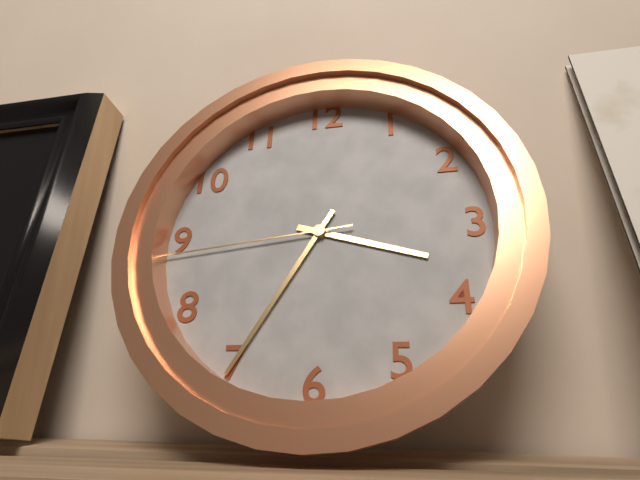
{"hour": 3, "minute": 35, "second": 44}
